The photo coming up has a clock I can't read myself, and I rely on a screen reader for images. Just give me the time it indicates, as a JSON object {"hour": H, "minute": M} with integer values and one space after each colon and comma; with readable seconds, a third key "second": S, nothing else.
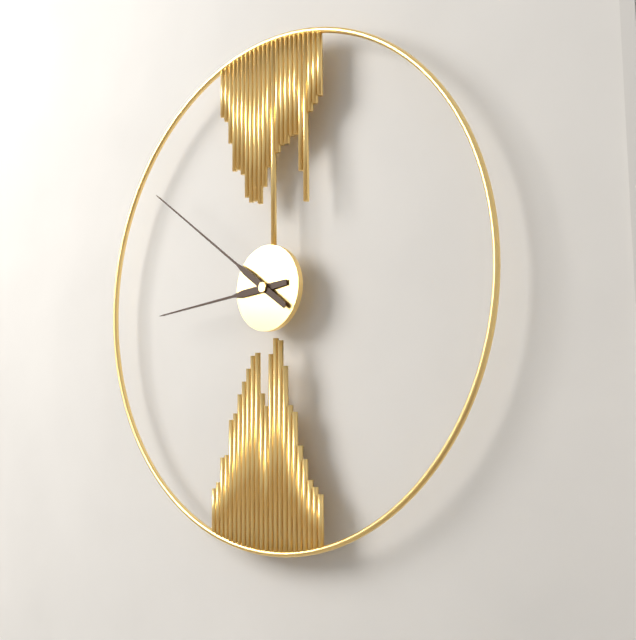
{"hour": 8, "minute": 51}
